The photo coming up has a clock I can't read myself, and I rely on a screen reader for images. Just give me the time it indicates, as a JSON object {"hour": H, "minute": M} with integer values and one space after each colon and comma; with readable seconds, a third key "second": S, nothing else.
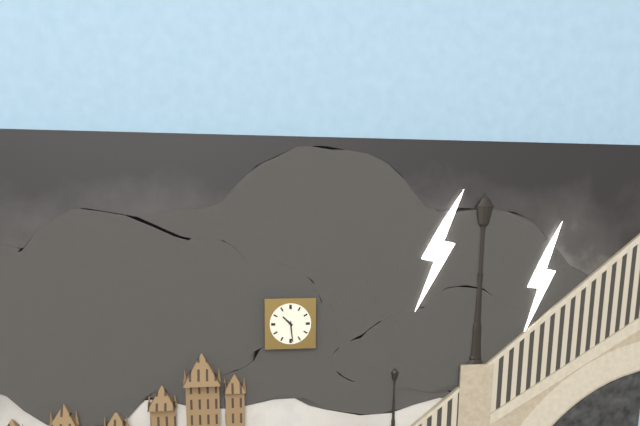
{"hour": 10, "minute": 29}
